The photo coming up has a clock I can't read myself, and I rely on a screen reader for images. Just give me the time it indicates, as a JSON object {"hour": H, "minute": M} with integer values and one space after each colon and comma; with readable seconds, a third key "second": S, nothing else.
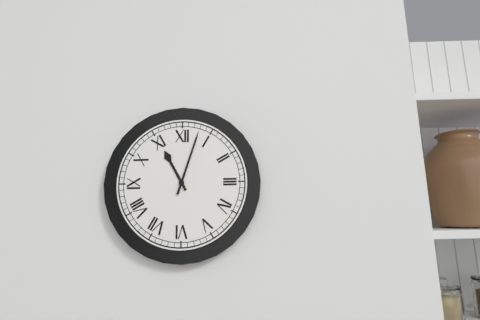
{"hour": 11, "minute": 3}
